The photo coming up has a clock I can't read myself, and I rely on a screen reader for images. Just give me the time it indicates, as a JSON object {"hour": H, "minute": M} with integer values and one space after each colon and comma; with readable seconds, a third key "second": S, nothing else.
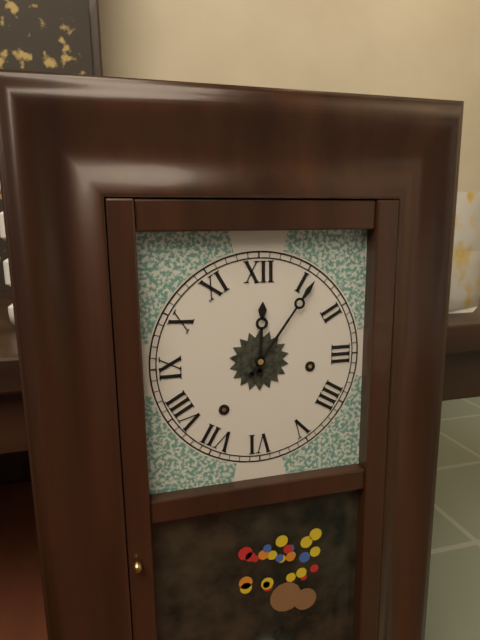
{"hour": 12, "minute": 6}
